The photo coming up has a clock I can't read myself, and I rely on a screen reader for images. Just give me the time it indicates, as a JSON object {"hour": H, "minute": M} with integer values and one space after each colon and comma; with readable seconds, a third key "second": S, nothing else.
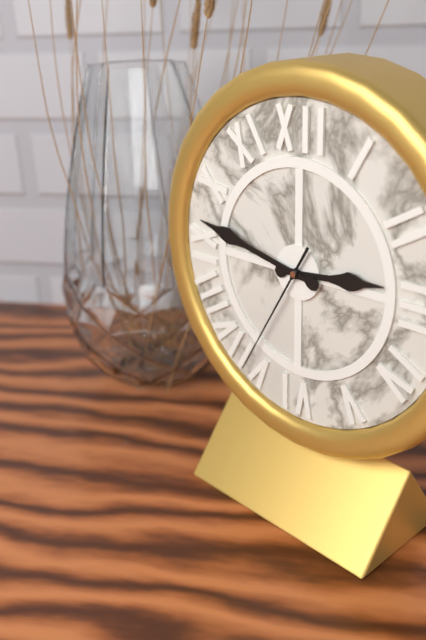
{"hour": 2, "minute": 47, "second": 35}
